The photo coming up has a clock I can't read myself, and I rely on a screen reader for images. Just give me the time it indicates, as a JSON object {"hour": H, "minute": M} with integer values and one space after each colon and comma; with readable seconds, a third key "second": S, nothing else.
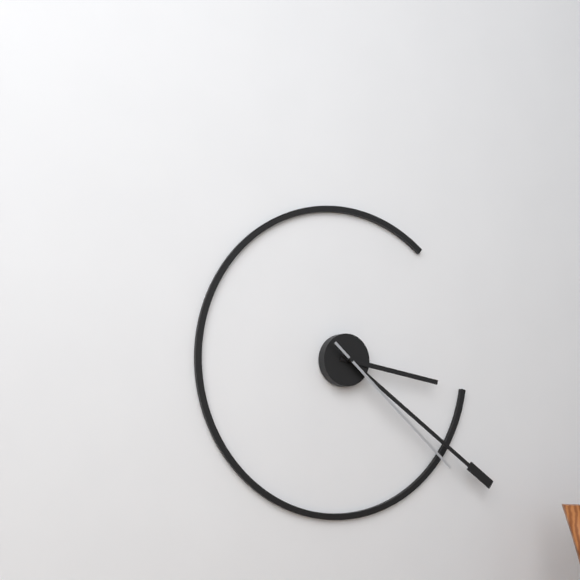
{"hour": 3, "minute": 21, "second": 22}
